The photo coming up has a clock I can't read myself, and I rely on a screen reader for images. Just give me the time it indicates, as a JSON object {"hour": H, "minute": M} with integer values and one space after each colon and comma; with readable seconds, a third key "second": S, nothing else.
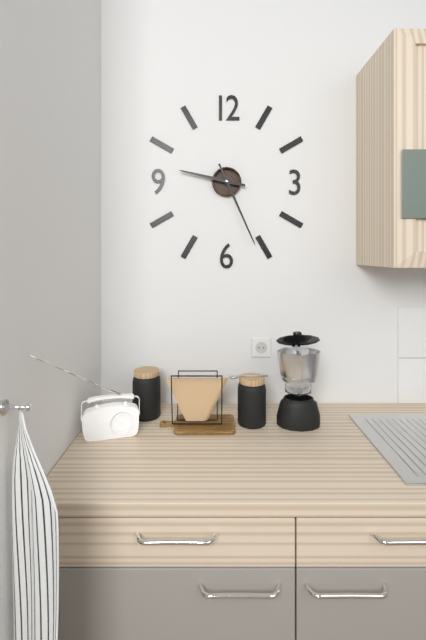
{"hour": 9, "minute": 26}
